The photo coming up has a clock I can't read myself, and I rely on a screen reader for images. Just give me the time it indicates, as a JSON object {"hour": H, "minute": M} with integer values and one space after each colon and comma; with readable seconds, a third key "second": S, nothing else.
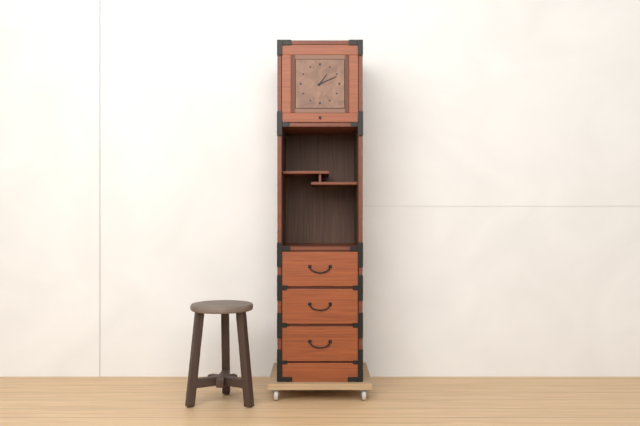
{"hour": 1, "minute": 11}
